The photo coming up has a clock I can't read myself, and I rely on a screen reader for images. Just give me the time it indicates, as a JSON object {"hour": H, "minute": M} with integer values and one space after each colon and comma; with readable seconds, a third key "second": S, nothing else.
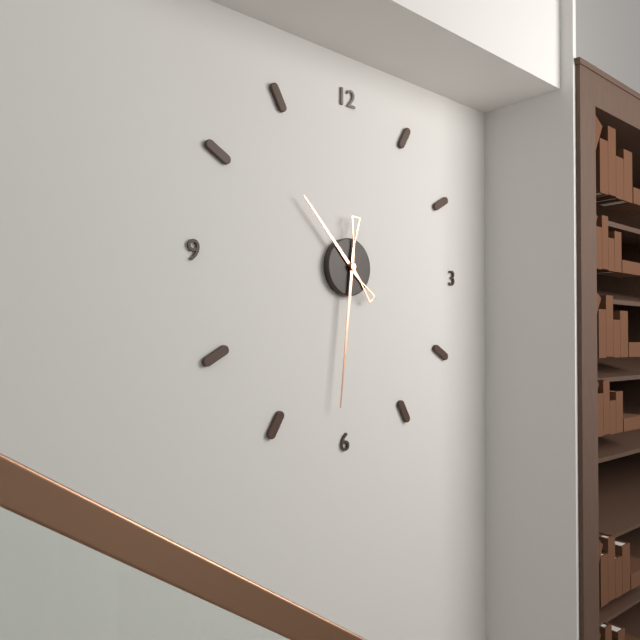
{"hour": 10, "minute": 31}
